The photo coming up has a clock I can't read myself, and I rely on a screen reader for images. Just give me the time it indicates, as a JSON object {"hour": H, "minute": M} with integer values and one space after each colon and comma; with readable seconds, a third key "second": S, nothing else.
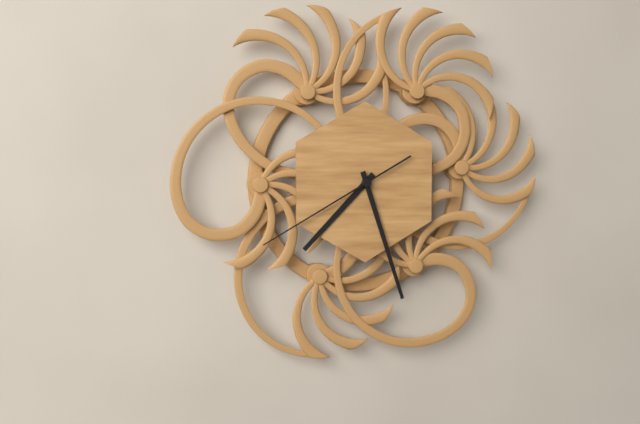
{"hour": 7, "minute": 27, "second": 40}
